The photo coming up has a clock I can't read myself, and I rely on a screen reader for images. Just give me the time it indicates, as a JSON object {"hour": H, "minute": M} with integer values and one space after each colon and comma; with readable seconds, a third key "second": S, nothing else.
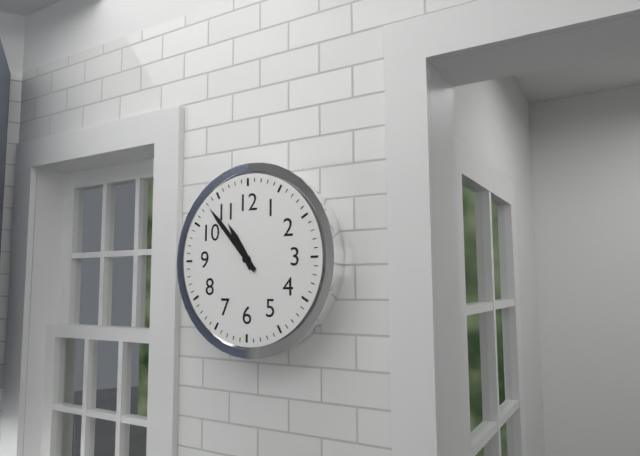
{"hour": 10, "minute": 53}
